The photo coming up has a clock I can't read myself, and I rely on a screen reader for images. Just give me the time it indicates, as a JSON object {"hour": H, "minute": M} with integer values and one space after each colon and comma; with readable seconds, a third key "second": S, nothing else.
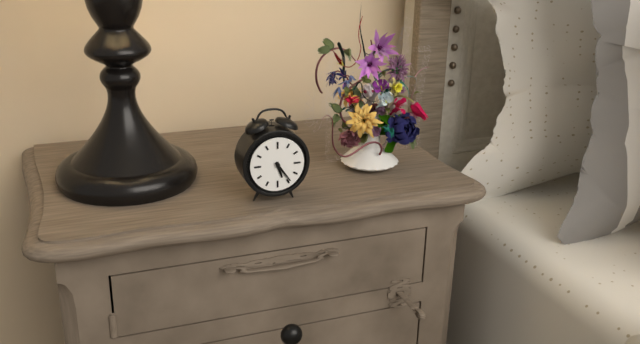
{"hour": 5, "minute": 24}
